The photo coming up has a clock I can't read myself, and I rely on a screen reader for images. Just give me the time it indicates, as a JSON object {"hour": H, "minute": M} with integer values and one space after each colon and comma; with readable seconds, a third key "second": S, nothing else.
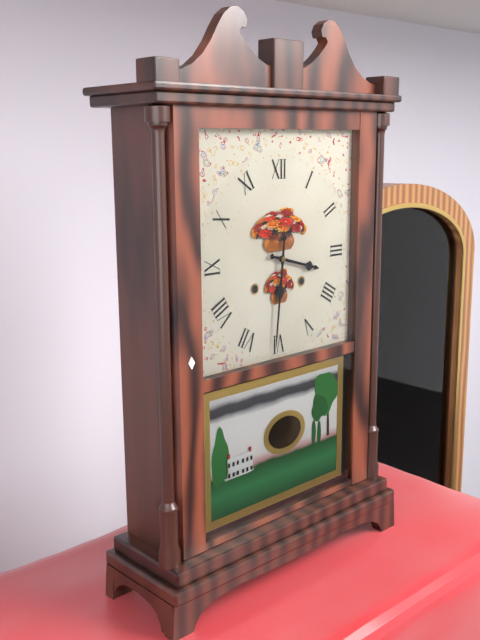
{"hour": 3, "minute": 31}
